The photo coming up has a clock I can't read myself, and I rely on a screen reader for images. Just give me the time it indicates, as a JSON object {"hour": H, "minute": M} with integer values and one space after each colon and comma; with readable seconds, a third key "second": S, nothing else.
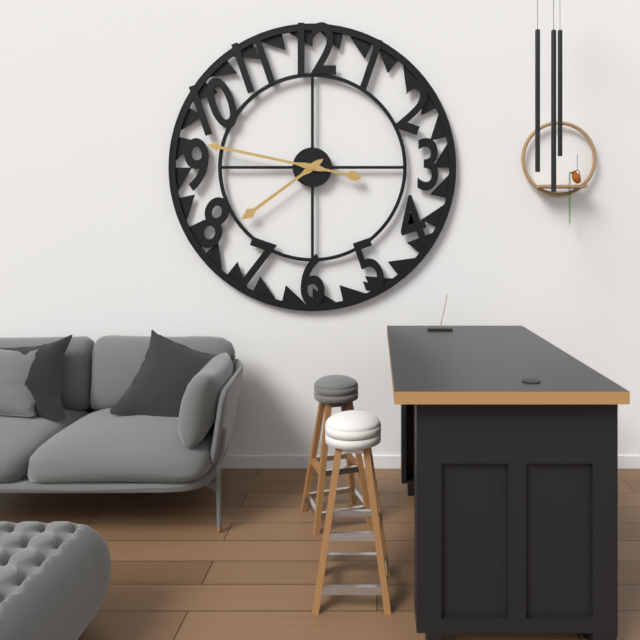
{"hour": 7, "minute": 47}
